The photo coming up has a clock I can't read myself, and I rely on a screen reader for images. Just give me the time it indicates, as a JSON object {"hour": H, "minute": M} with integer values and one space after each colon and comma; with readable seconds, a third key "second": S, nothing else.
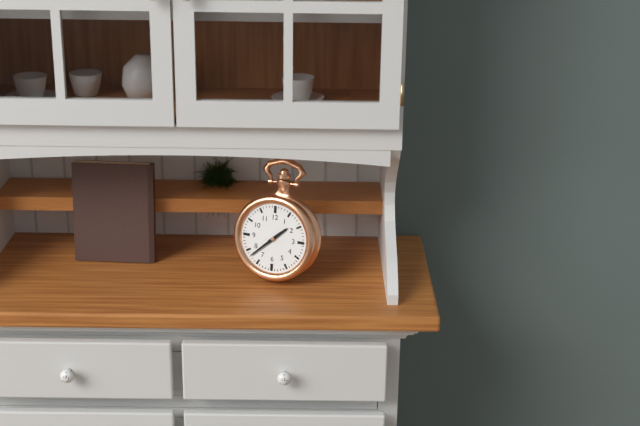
{"hour": 1, "minute": 38}
